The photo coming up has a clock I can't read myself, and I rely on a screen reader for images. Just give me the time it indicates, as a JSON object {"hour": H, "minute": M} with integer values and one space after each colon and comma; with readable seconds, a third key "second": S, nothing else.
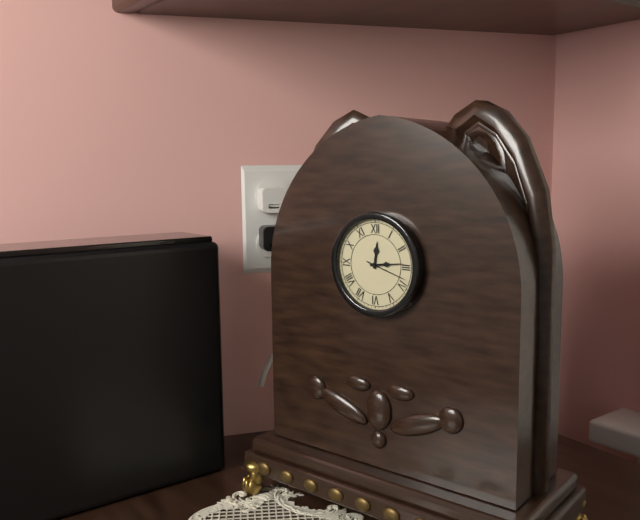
{"hour": 12, "minute": 14}
